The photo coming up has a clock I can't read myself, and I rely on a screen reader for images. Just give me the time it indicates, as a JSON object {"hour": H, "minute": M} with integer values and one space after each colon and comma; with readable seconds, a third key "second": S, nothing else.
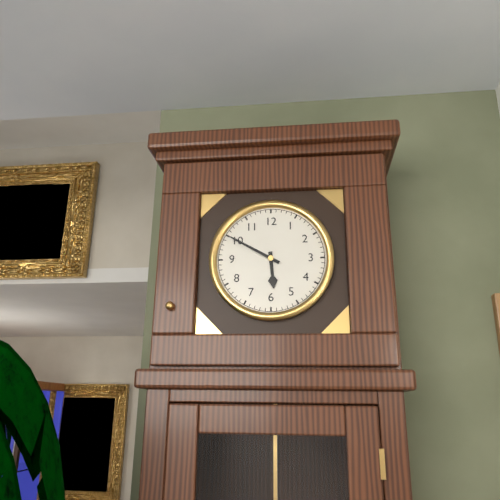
{"hour": 5, "minute": 50}
